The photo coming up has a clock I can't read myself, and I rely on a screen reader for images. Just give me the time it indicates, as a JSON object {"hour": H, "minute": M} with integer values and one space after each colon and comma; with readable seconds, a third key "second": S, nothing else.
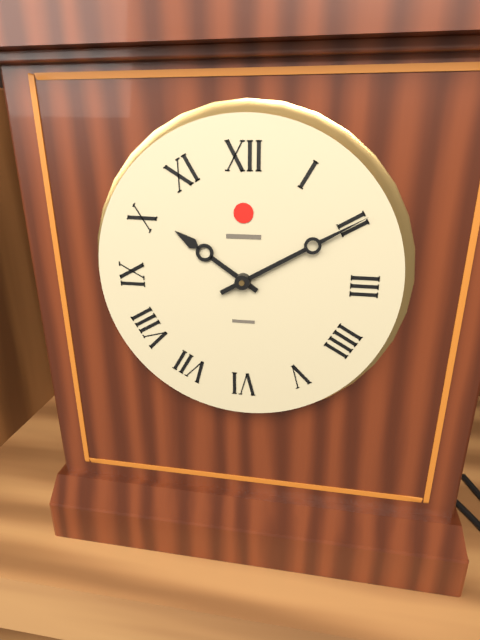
{"hour": 10, "minute": 10}
